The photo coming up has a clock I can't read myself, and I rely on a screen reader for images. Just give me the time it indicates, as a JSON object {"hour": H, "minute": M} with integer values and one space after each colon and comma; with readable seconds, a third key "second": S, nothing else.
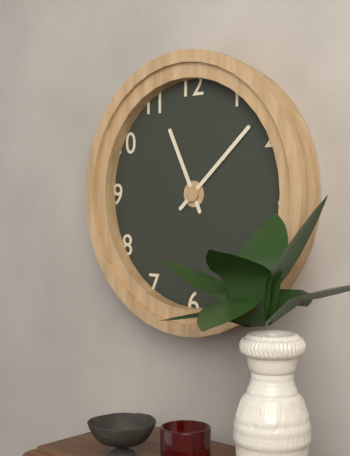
{"hour": 11, "minute": 8}
